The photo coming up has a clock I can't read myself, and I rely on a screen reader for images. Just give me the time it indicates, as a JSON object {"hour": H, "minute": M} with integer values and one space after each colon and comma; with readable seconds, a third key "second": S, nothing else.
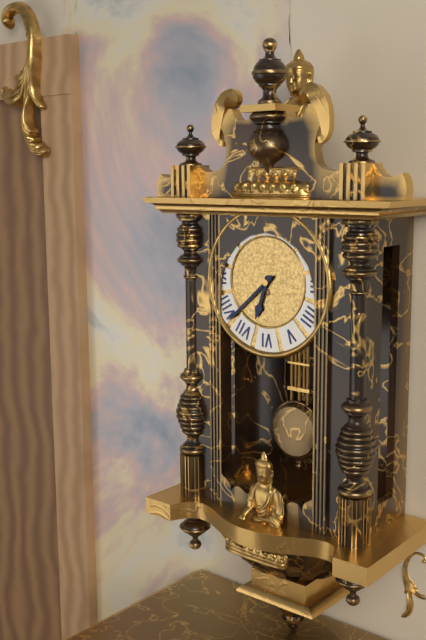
{"hour": 6, "minute": 38}
